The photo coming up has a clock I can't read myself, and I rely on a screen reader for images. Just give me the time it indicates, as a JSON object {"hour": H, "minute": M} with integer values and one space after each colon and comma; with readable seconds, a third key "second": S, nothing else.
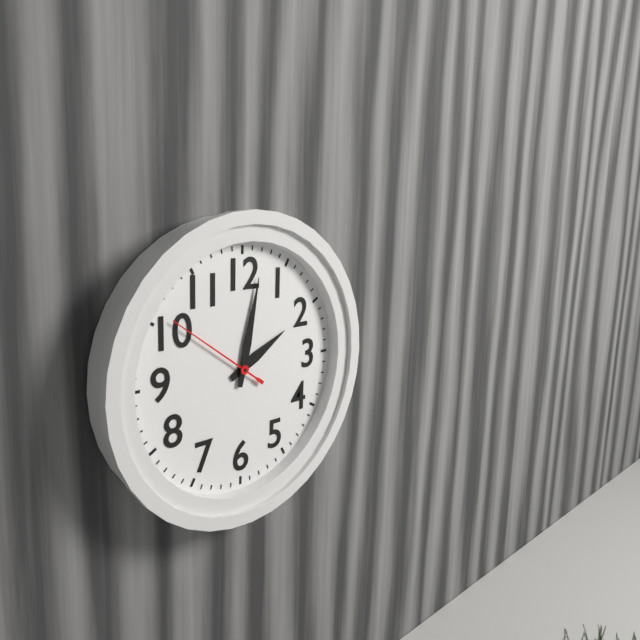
{"hour": 2, "minute": 2, "second": 51}
